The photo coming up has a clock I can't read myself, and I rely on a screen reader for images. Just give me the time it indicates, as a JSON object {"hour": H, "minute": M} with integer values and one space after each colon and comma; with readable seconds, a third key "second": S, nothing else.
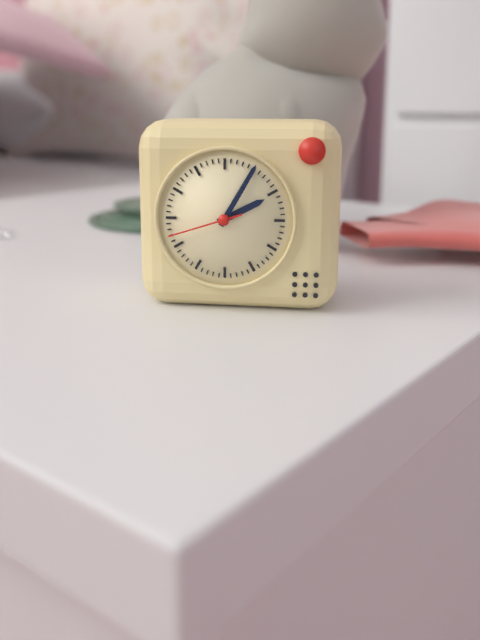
{"hour": 2, "minute": 5, "second": 42}
